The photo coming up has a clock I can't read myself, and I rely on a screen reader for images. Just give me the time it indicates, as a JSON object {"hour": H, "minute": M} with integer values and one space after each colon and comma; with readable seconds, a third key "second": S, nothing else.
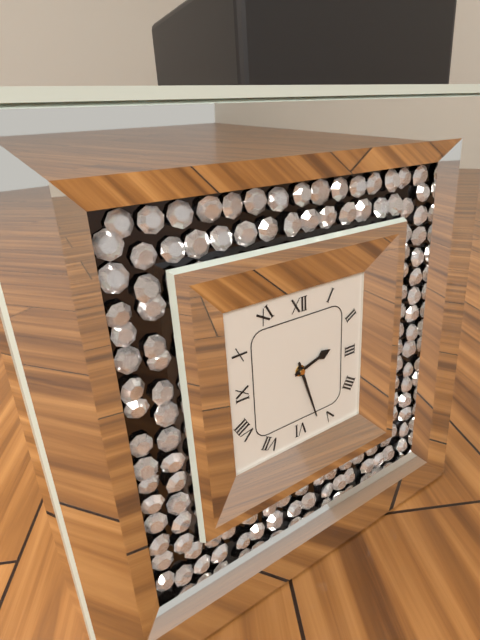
{"hour": 2, "minute": 27}
